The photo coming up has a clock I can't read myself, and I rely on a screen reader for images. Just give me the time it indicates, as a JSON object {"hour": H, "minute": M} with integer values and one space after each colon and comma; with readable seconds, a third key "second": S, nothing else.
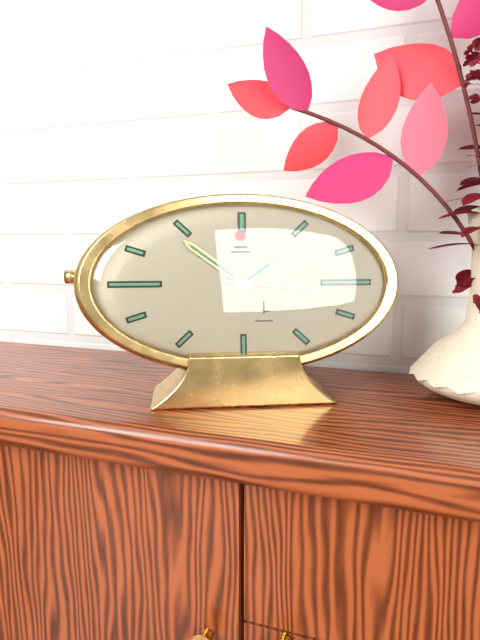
{"hour": 1, "minute": 51, "second": 16}
